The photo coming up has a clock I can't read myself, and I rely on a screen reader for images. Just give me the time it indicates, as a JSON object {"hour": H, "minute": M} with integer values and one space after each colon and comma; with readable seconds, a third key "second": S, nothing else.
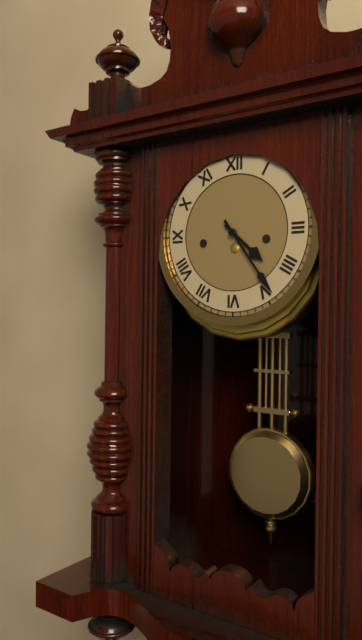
{"hour": 4, "minute": 24}
